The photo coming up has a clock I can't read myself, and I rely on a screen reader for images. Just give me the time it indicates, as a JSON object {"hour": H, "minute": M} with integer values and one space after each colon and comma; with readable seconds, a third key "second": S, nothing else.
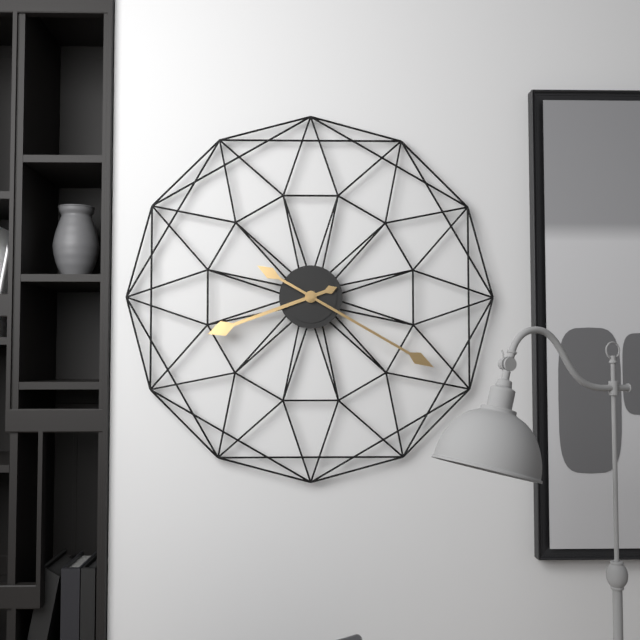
{"hour": 8, "minute": 20}
